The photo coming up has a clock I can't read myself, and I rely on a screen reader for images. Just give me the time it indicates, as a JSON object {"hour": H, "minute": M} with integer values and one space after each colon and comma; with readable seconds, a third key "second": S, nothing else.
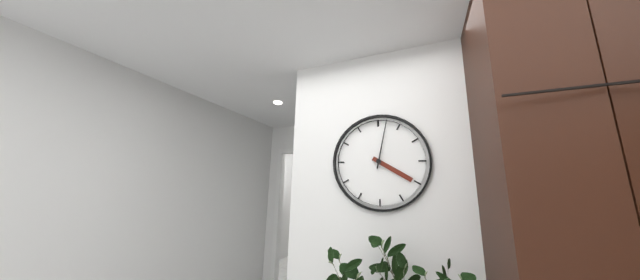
{"hour": 4, "minute": 2}
